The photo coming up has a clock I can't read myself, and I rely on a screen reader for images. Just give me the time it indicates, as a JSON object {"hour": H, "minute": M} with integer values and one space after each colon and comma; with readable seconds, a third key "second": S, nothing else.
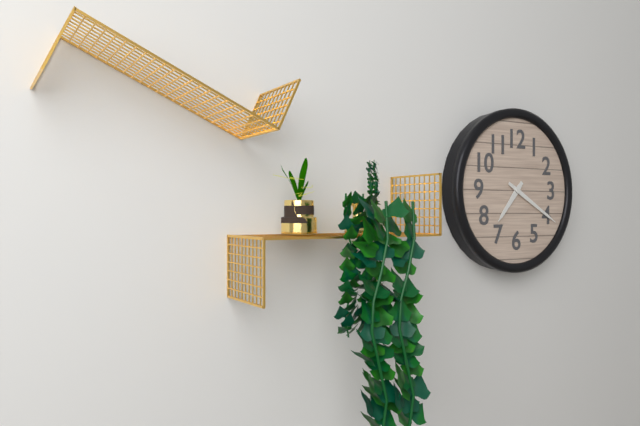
{"hour": 7, "minute": 20}
